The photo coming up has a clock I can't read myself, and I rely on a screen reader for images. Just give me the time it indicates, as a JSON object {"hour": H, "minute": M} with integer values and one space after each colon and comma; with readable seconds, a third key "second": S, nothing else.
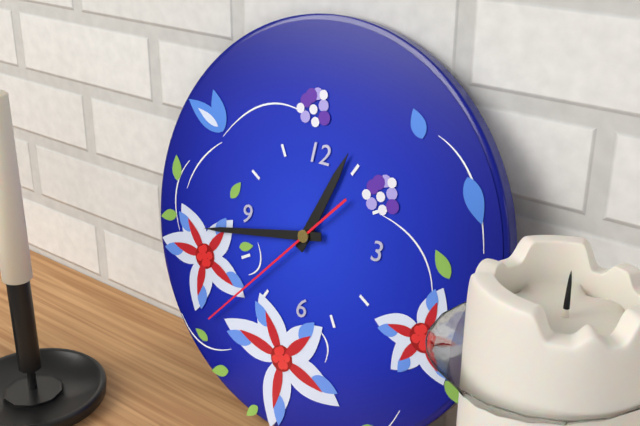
{"hour": 12, "minute": 43, "second": 37}
